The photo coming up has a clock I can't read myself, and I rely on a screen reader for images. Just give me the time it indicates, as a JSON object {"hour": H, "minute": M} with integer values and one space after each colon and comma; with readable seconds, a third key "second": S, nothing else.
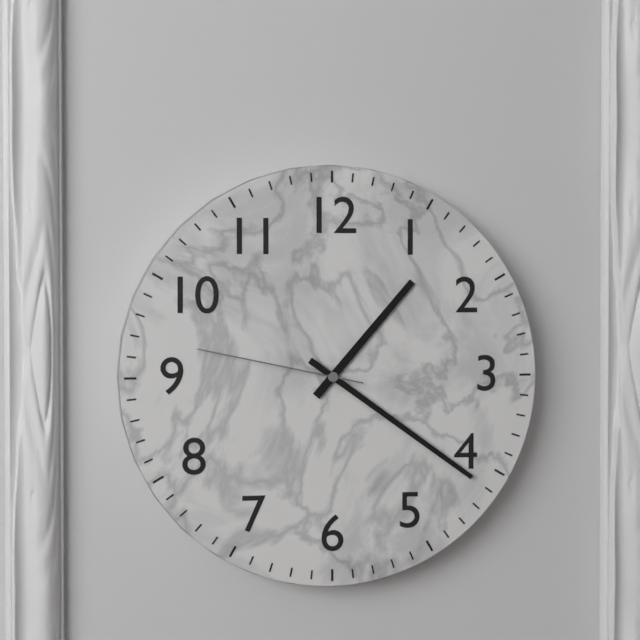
{"hour": 1, "minute": 21, "second": 47}
